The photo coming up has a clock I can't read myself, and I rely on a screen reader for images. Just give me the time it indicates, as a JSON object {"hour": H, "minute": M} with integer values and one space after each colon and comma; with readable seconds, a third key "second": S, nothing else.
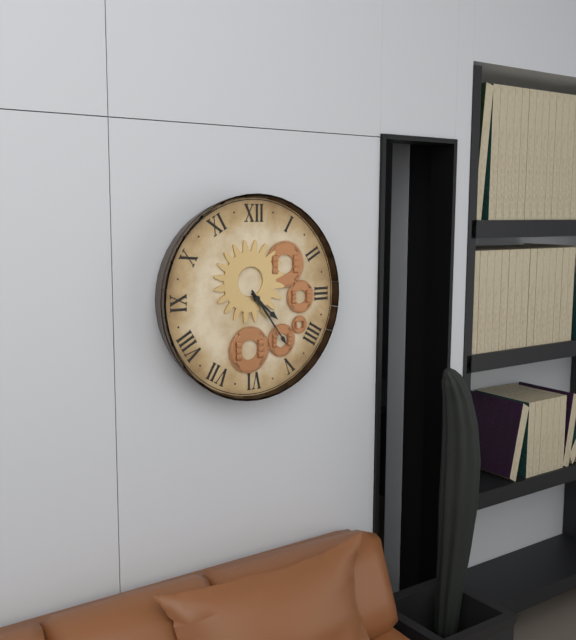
{"hour": 4, "minute": 24}
